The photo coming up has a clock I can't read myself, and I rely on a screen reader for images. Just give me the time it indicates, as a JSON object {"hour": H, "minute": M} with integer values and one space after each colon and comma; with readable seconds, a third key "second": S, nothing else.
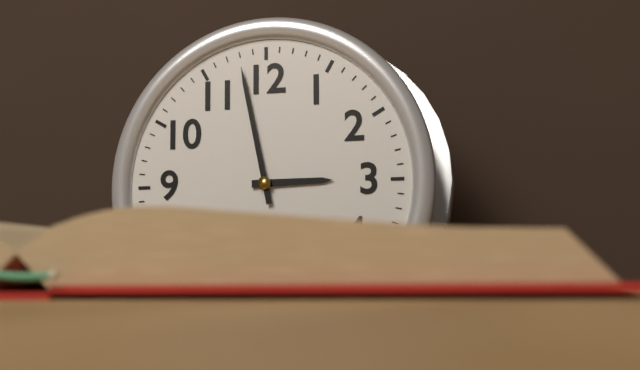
{"hour": 2, "minute": 58}
